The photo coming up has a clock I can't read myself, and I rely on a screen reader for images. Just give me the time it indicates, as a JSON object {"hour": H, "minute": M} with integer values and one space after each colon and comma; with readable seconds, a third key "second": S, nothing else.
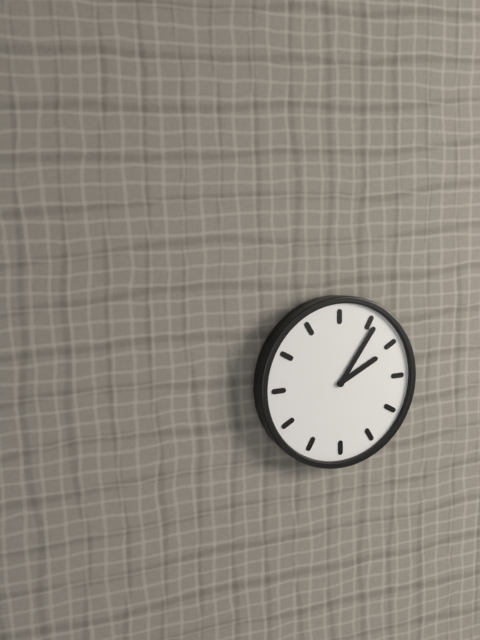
{"hour": 2, "minute": 6}
